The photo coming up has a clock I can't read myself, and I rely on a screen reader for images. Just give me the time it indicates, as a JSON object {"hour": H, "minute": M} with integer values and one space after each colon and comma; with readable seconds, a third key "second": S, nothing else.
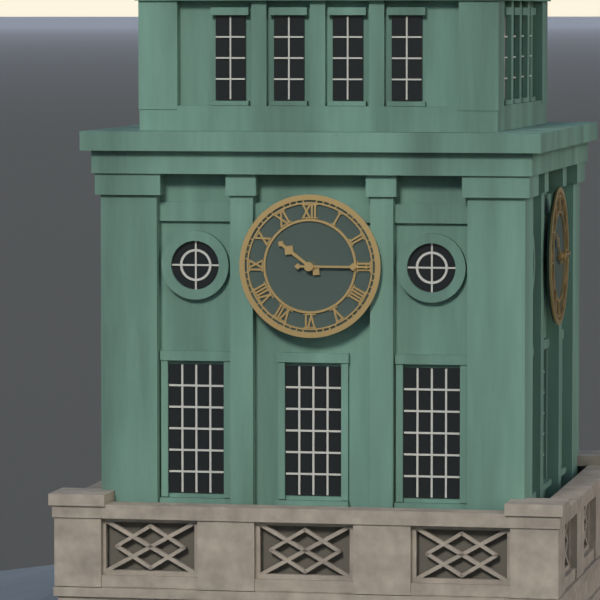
{"hour": 10, "minute": 15}
